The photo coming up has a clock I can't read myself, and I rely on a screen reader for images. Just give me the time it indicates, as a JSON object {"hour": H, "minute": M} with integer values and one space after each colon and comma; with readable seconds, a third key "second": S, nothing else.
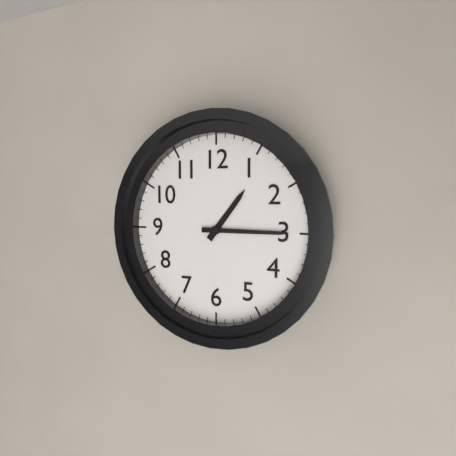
{"hour": 1, "minute": 15}
